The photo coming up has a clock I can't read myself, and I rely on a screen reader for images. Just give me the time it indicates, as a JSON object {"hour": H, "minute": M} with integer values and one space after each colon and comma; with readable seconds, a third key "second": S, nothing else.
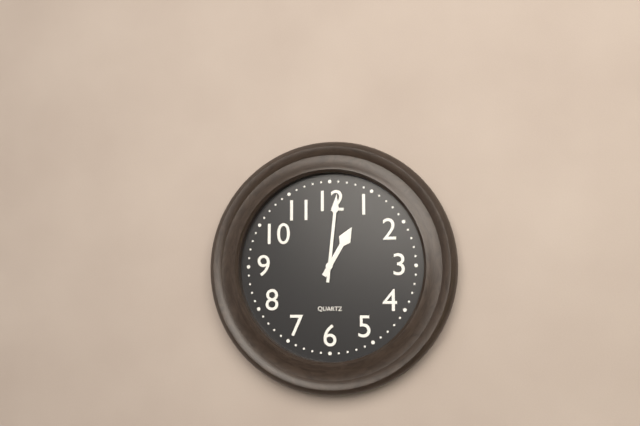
{"hour": 1, "minute": 1}
